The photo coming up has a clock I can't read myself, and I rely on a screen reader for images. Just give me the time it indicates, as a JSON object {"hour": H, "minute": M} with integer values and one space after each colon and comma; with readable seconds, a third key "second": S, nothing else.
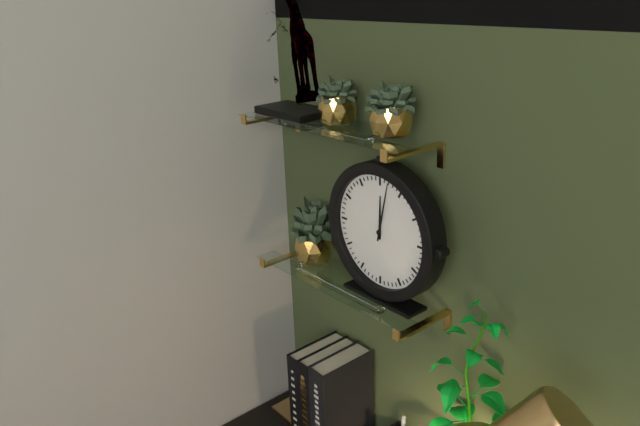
{"hour": 12, "minute": 2}
